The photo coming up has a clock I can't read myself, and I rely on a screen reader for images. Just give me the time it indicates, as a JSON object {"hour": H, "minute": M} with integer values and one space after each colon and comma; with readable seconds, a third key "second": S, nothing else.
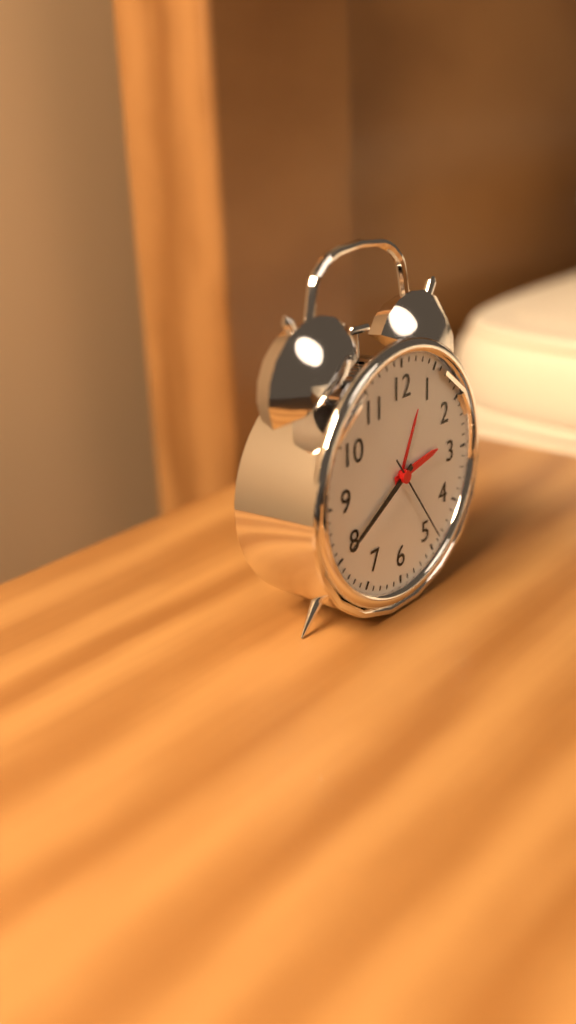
{"hour": 2, "minute": 40, "second": 24}
